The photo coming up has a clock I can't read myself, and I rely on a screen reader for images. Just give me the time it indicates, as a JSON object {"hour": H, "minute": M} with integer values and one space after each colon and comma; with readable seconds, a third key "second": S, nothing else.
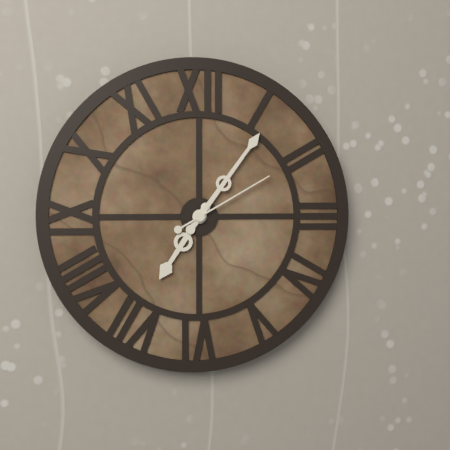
{"hour": 7, "minute": 6, "second": 10}
